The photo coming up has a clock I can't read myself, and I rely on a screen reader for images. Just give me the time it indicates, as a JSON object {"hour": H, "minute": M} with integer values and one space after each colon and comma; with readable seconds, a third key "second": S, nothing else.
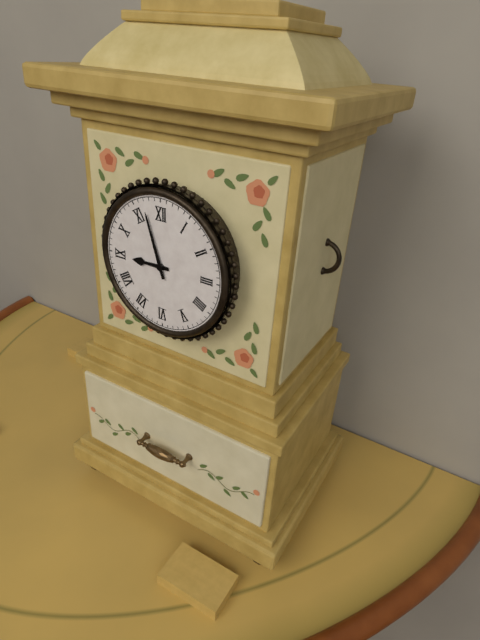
{"hour": 8, "minute": 57}
